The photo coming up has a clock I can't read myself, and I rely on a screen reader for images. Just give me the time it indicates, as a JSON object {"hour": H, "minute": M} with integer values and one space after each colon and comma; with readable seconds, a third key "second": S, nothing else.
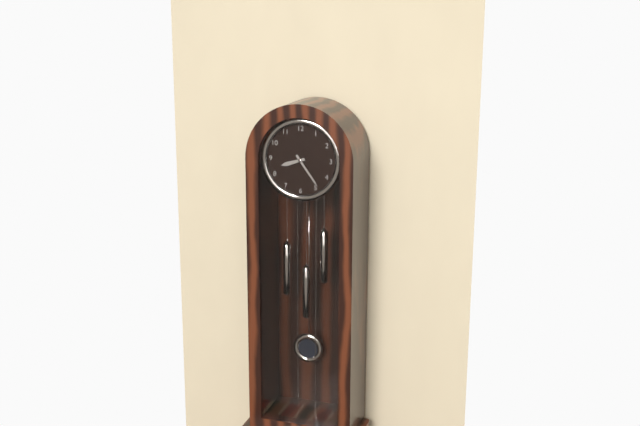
{"hour": 8, "minute": 24}
